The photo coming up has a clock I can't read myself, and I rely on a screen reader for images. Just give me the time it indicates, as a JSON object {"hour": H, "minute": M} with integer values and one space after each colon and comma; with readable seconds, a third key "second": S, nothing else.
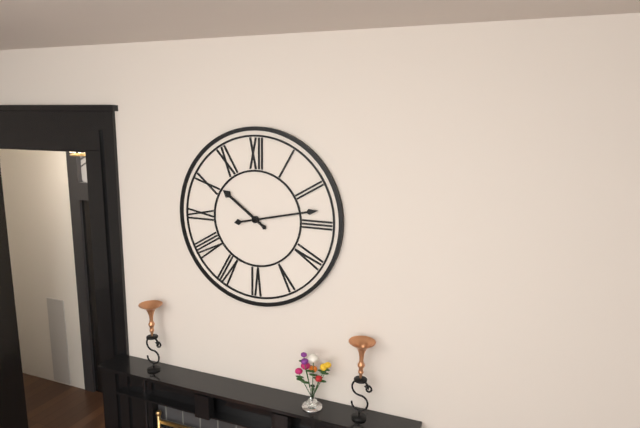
{"hour": 10, "minute": 13}
